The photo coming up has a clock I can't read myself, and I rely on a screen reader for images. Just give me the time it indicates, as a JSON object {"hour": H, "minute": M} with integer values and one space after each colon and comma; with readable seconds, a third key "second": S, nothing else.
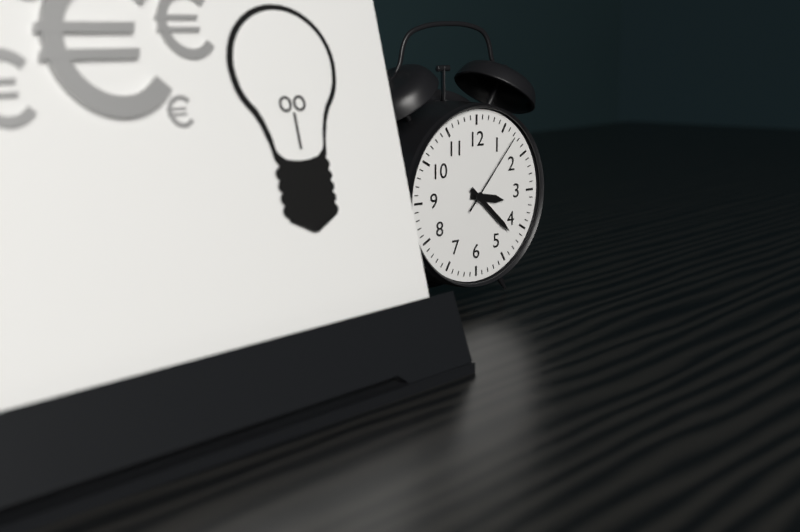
{"hour": 3, "minute": 22, "second": 7}
